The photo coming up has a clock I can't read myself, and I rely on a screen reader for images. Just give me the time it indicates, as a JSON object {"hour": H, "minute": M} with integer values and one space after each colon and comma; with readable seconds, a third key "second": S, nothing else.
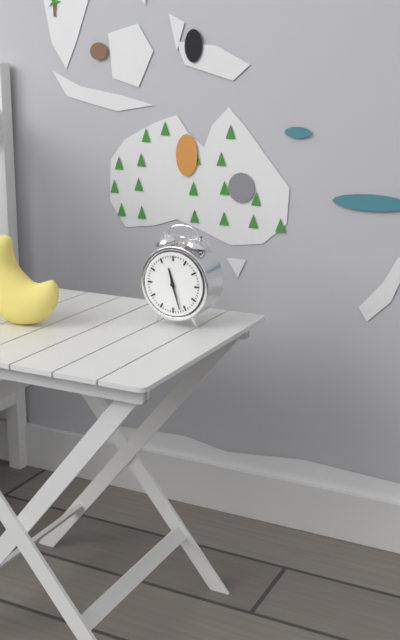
{"hour": 11, "minute": 27}
